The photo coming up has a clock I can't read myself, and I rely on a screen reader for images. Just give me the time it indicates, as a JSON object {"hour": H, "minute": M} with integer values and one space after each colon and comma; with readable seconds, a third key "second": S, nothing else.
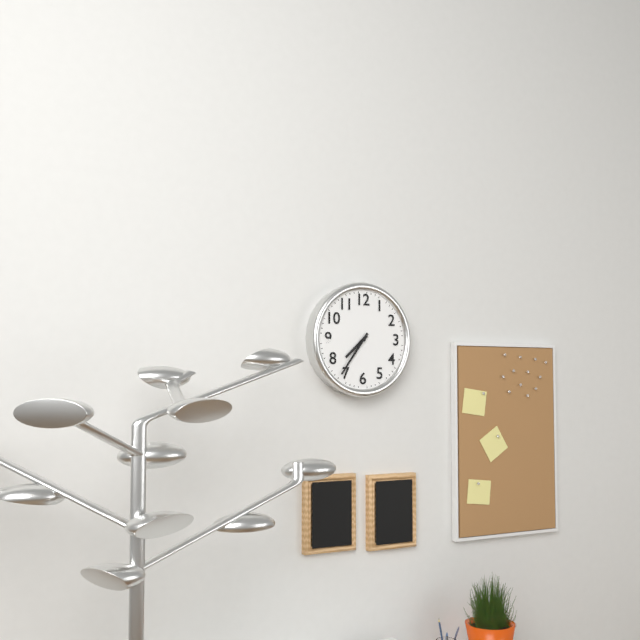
{"hour": 7, "minute": 36}
